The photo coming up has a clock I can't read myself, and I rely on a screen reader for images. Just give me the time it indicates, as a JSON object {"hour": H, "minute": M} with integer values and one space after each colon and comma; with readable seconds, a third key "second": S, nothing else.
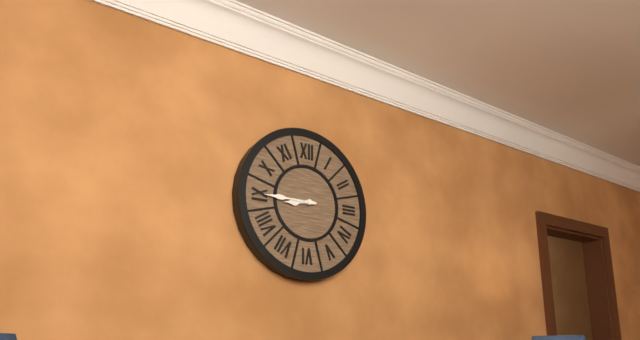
{"hour": 8, "minute": 45}
